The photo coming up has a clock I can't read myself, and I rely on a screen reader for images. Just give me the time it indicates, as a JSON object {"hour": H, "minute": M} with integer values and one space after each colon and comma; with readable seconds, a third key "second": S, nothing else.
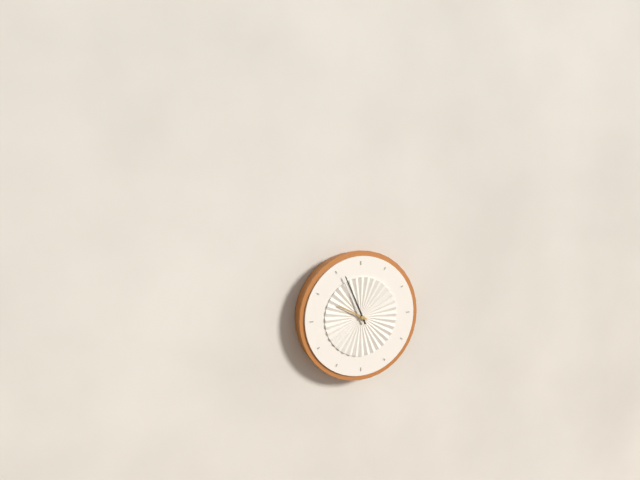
{"hour": 9, "minute": 56}
